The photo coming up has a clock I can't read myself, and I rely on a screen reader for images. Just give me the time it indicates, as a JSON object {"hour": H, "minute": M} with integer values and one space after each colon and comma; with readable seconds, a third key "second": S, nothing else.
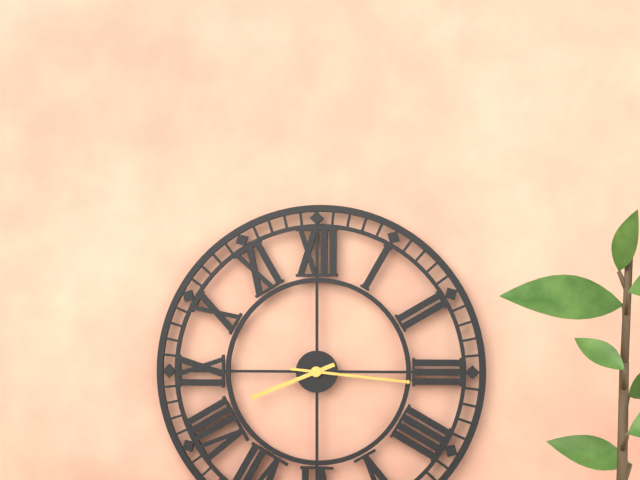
{"hour": 8, "minute": 16}
